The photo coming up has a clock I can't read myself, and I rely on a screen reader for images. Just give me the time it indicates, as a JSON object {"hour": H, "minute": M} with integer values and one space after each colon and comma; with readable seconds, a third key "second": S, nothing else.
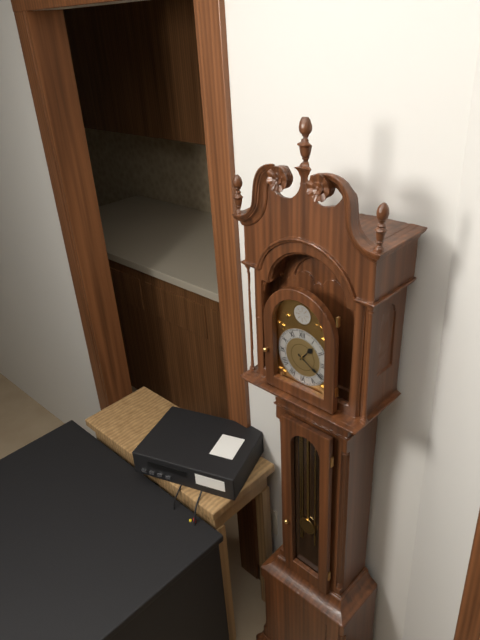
{"hour": 1, "minute": 20}
